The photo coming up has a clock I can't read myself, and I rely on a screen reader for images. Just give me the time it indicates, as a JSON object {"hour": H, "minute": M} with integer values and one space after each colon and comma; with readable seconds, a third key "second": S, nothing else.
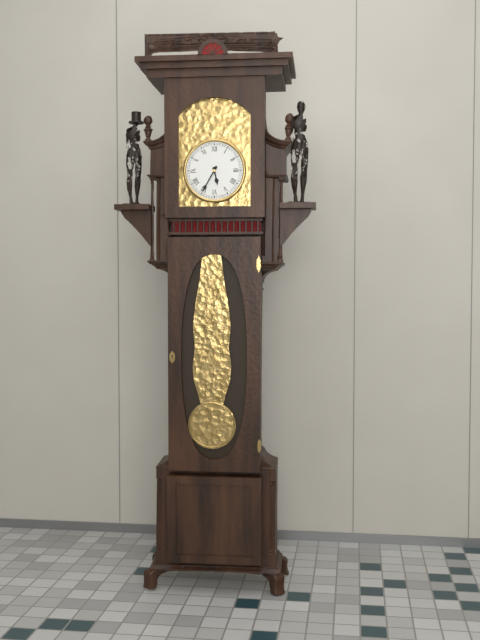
{"hour": 5, "minute": 35}
